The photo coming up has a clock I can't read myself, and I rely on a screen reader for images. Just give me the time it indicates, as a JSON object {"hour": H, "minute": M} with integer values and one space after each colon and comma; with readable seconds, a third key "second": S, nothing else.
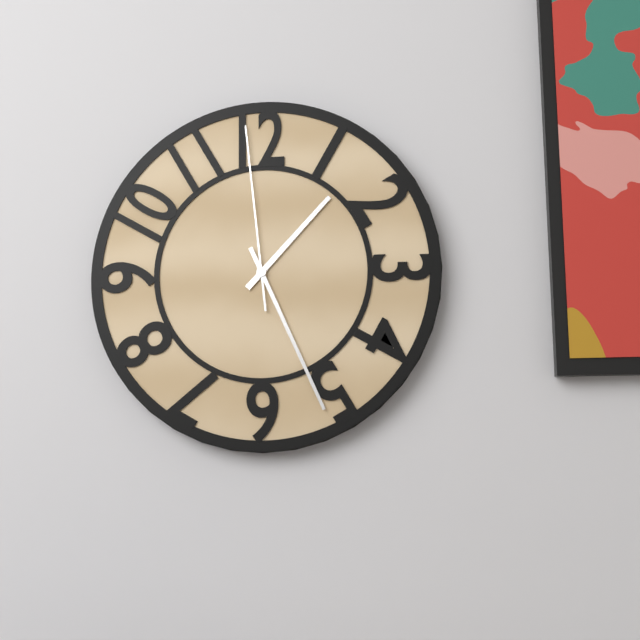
{"hour": 1, "minute": 26, "second": 59}
